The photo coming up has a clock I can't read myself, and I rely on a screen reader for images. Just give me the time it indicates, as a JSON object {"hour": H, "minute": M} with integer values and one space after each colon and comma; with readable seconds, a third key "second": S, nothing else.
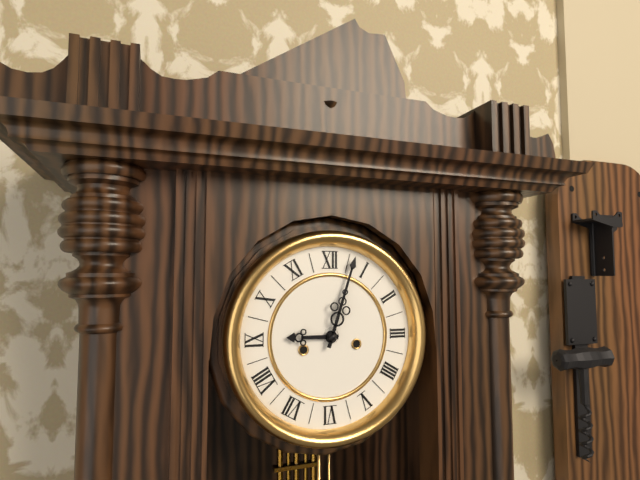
{"hour": 9, "minute": 3}
